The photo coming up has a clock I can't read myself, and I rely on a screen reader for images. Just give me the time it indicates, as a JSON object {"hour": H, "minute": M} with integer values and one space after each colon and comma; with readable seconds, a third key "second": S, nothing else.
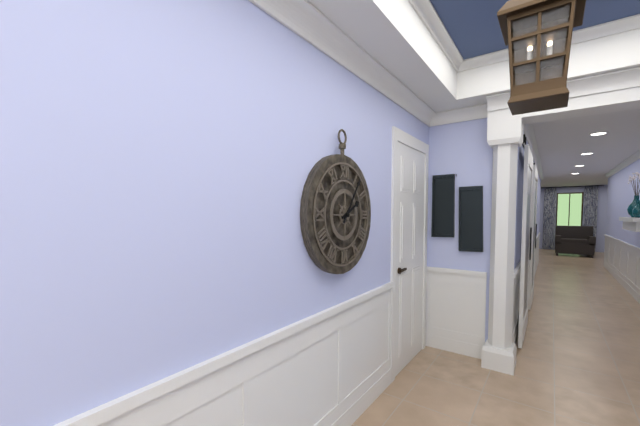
{"hour": 2, "minute": 6}
